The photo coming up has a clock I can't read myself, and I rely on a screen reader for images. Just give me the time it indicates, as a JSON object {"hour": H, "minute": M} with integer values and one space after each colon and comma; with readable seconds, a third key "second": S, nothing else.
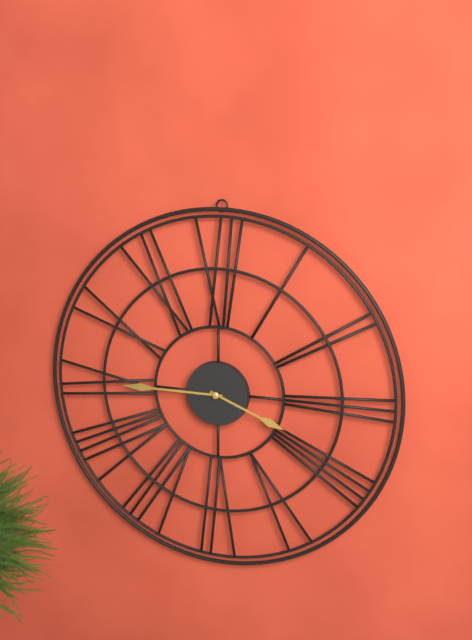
{"hour": 3, "minute": 45}
